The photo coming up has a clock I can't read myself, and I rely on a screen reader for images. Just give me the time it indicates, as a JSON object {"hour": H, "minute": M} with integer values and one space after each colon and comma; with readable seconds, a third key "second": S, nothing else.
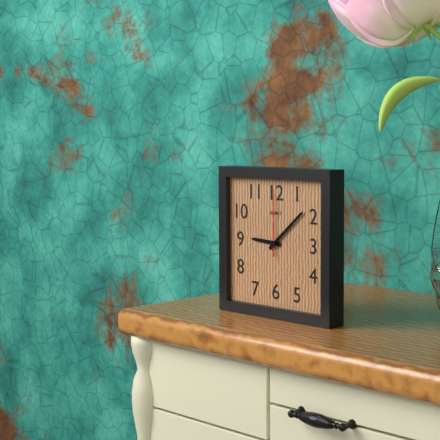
{"hour": 9, "minute": 8, "second": 0}
